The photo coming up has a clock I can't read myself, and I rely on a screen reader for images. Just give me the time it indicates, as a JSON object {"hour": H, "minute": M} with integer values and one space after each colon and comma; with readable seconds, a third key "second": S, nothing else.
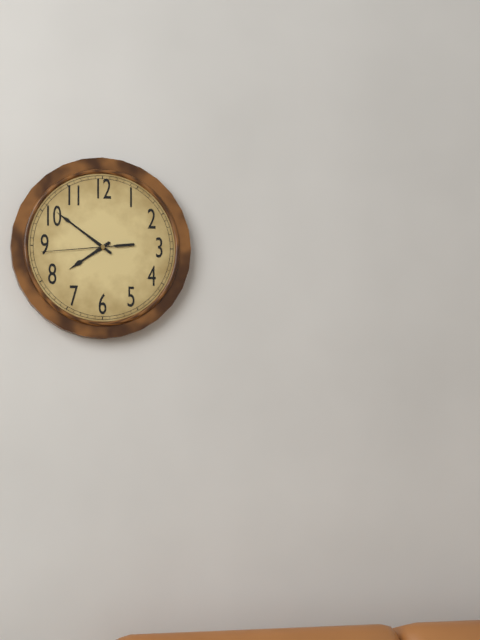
{"hour": 7, "minute": 51, "second": 44}
